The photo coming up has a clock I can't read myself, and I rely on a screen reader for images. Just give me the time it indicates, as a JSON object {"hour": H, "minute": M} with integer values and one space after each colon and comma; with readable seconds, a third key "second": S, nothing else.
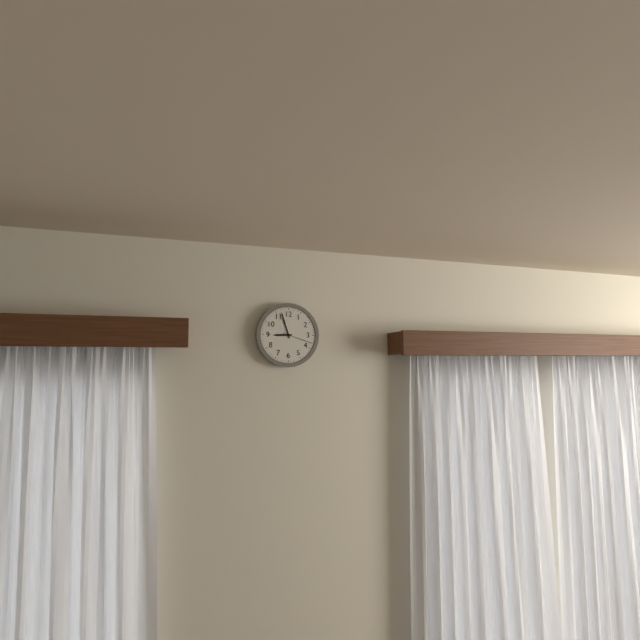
{"hour": 8, "minute": 57}
